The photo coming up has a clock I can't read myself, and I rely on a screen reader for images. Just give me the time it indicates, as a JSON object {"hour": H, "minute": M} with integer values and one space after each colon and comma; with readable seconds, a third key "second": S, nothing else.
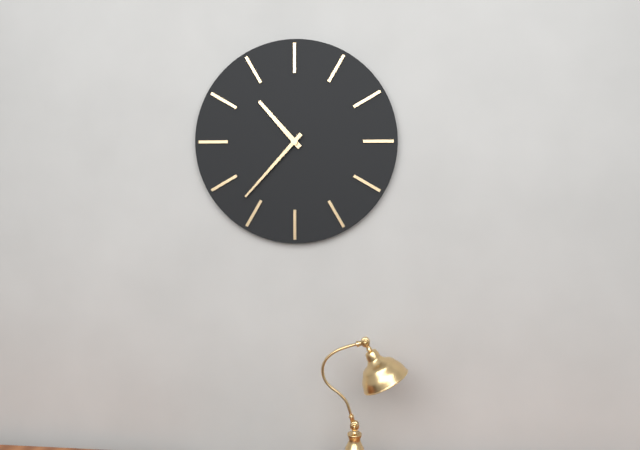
{"hour": 10, "minute": 37}
